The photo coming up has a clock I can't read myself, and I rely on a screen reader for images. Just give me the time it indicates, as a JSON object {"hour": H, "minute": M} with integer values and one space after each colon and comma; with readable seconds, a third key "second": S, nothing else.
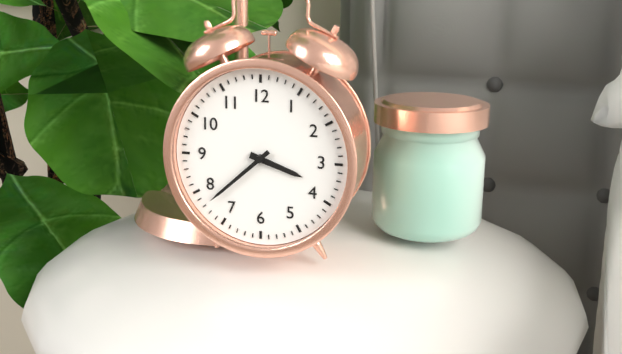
{"hour": 3, "minute": 38}
